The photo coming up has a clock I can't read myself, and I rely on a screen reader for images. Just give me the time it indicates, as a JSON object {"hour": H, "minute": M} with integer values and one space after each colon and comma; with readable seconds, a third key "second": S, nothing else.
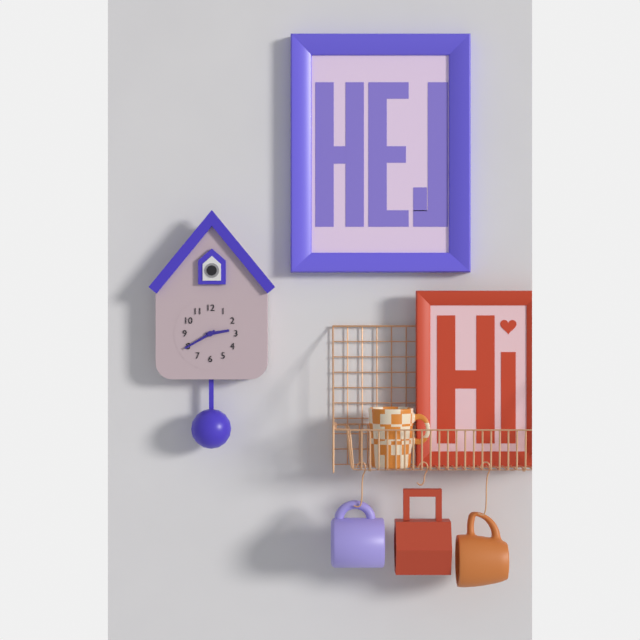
{"hour": 2, "minute": 40}
